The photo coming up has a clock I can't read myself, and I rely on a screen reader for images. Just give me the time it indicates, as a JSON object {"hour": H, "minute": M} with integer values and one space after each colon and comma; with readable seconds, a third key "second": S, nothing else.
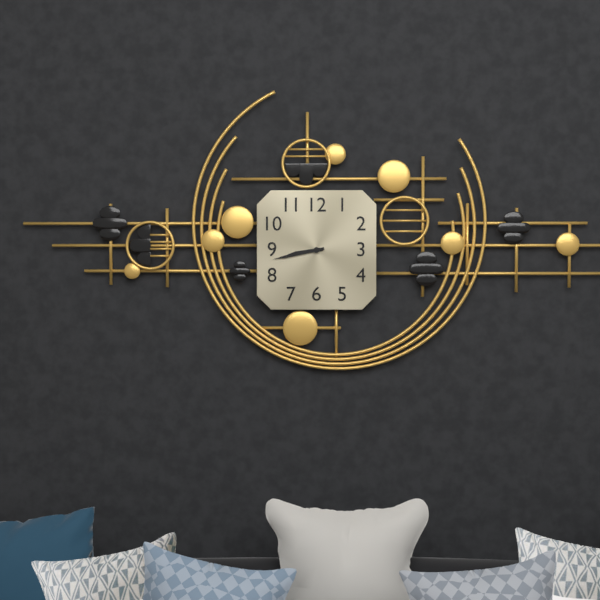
{"hour": 8, "minute": 43}
